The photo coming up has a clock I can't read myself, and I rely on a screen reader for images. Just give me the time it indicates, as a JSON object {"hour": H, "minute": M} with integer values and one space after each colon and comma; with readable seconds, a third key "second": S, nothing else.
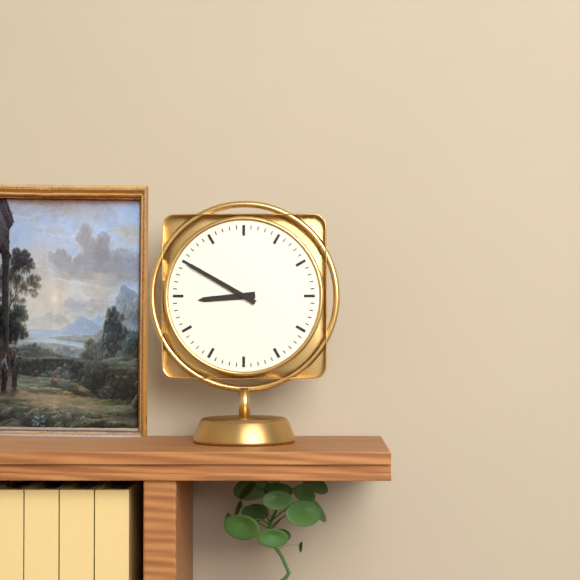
{"hour": 8, "minute": 50}
